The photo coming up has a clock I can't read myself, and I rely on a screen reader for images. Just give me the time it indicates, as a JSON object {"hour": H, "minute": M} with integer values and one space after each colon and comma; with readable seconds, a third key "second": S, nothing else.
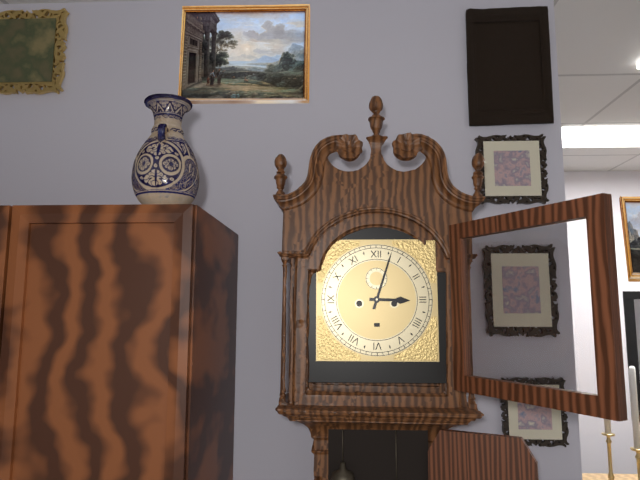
{"hour": 3, "minute": 3}
